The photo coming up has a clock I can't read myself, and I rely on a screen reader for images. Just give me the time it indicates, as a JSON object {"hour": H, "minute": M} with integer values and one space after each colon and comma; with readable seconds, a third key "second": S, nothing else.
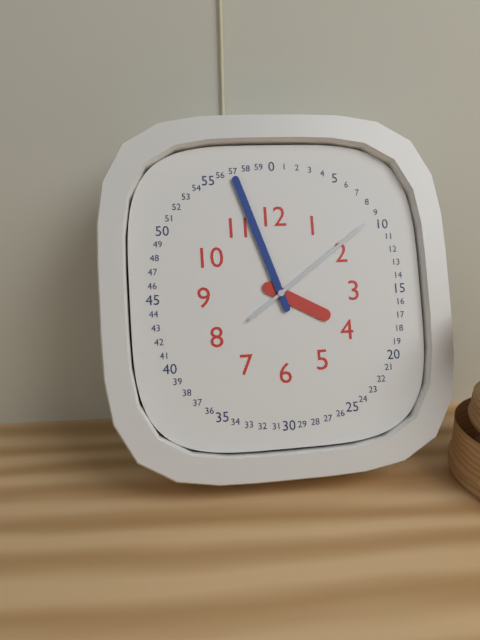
{"hour": 3, "minute": 57, "second": 9}
